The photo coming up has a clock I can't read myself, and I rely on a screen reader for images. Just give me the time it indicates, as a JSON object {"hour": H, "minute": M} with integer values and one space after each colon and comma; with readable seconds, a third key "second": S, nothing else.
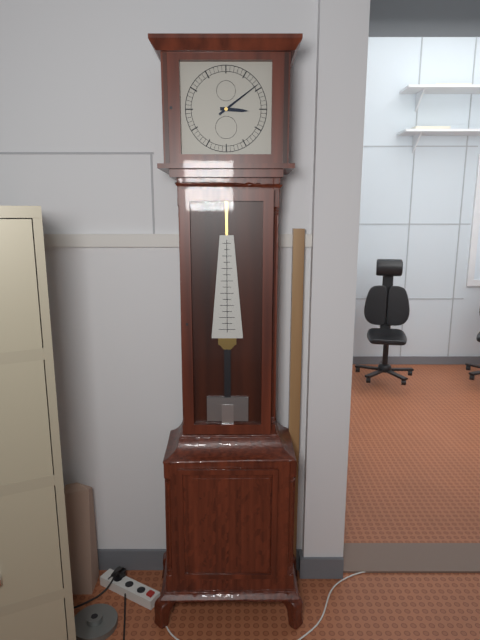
{"hour": 3, "minute": 9}
